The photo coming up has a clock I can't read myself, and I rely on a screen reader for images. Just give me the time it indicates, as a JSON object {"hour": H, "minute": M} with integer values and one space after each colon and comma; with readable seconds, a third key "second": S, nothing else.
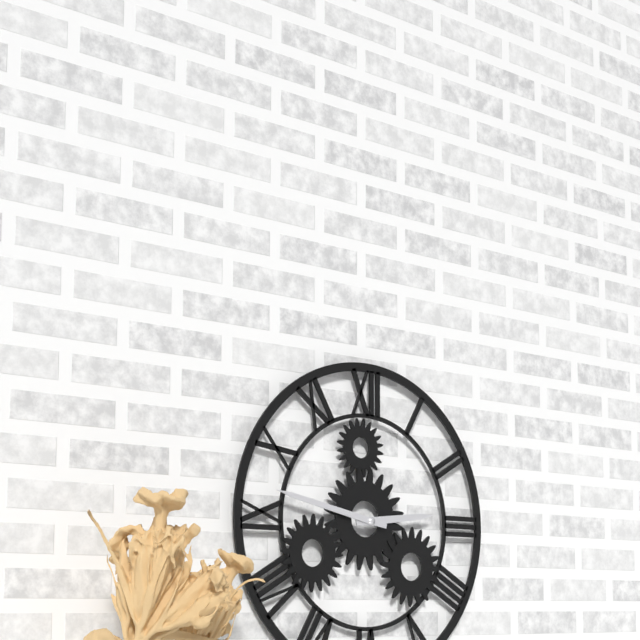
{"hour": 2, "minute": 47}
